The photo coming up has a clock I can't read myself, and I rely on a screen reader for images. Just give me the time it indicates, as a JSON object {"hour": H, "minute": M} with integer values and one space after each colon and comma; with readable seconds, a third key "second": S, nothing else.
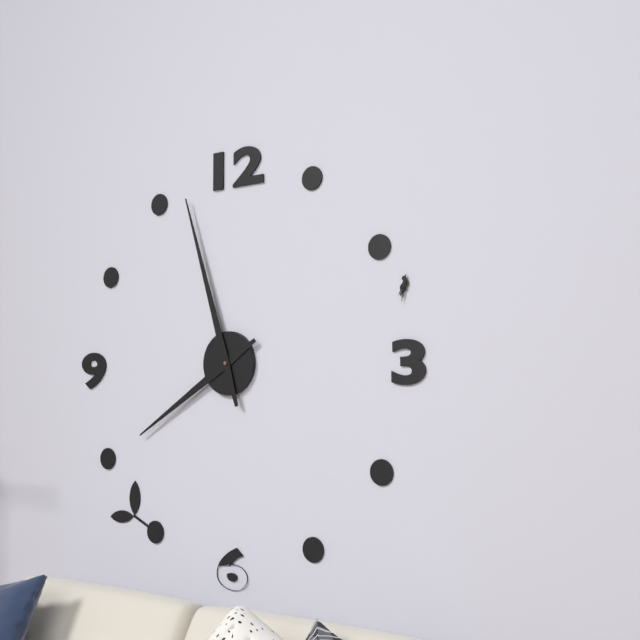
{"hour": 7, "minute": 57}
